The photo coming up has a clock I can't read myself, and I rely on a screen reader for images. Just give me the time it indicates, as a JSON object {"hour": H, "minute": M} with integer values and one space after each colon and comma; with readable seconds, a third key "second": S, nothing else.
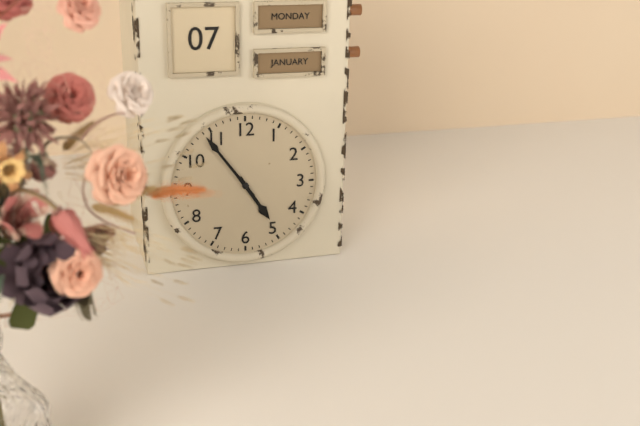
{"hour": 4, "minute": 54}
